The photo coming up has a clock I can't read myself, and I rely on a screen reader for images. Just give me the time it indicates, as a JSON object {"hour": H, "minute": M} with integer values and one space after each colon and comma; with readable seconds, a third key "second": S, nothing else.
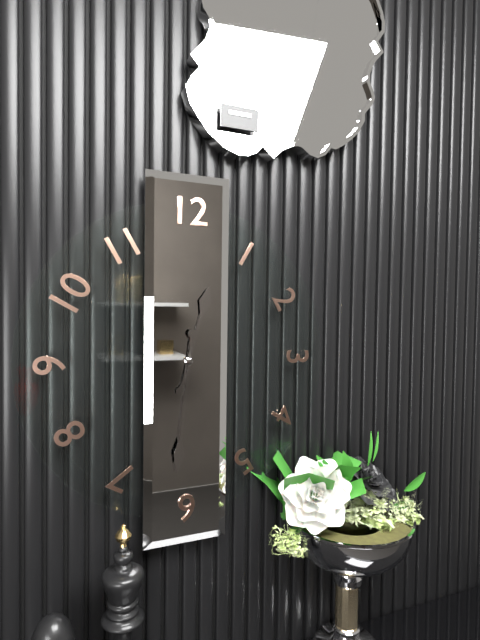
{"hour": 12, "minute": 31}
